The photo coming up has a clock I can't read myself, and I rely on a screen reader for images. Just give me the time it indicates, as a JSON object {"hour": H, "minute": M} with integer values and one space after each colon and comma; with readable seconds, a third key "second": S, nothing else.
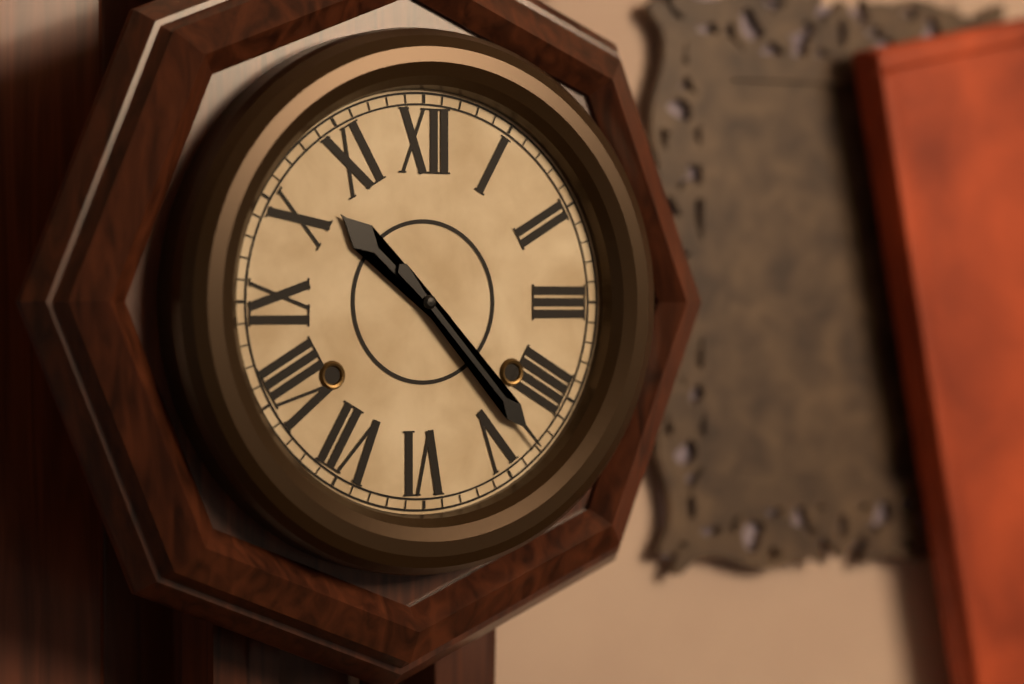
{"hour": 10, "minute": 23}
